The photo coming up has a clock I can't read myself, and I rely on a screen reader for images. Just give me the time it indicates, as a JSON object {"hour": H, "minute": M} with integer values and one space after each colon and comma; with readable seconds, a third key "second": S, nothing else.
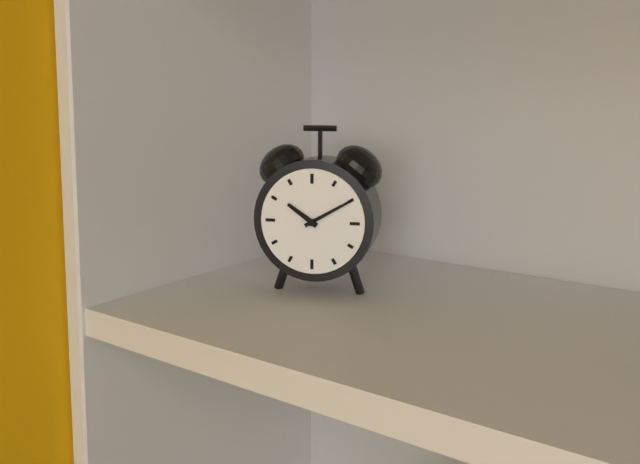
{"hour": 10, "minute": 10}
